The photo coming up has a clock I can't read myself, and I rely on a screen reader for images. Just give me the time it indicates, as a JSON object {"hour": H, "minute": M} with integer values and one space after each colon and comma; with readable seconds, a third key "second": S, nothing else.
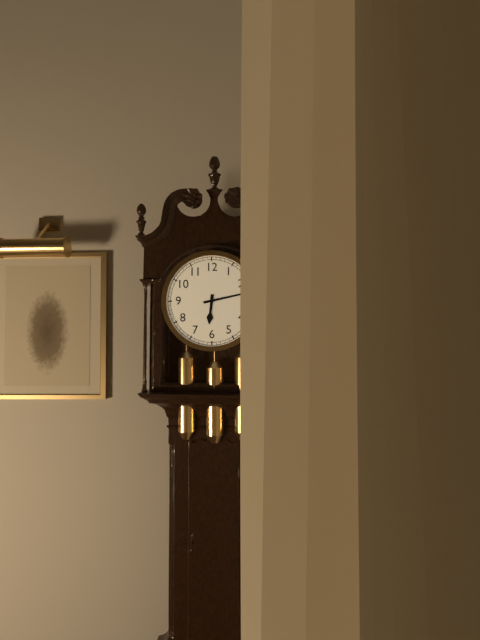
{"hour": 6, "minute": 13}
